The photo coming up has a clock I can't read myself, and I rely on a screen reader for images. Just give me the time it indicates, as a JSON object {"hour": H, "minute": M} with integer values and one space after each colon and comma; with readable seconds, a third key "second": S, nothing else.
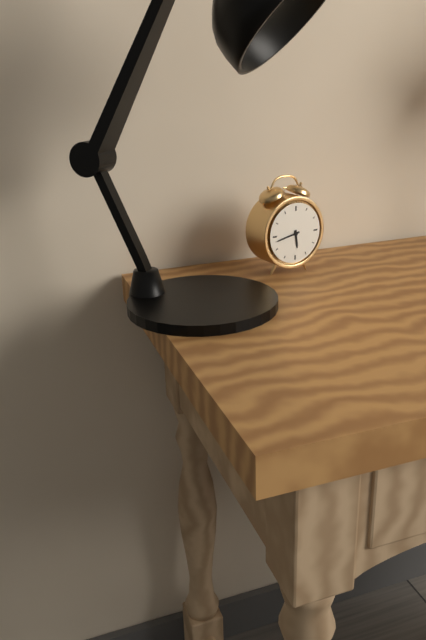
{"hour": 5, "minute": 43}
